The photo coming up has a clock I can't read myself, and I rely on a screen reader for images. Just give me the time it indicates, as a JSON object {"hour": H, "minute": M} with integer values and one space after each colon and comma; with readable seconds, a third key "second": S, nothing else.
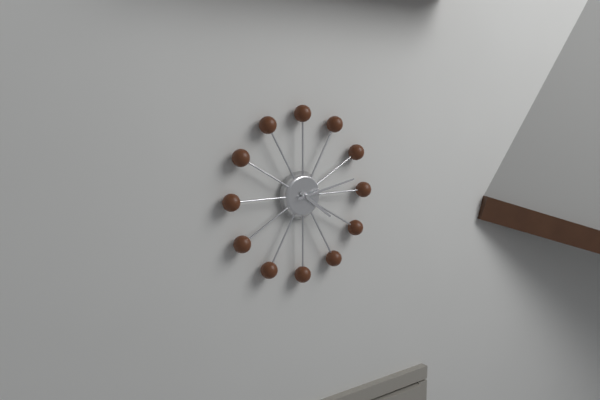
{"hour": 4, "minute": 13}
